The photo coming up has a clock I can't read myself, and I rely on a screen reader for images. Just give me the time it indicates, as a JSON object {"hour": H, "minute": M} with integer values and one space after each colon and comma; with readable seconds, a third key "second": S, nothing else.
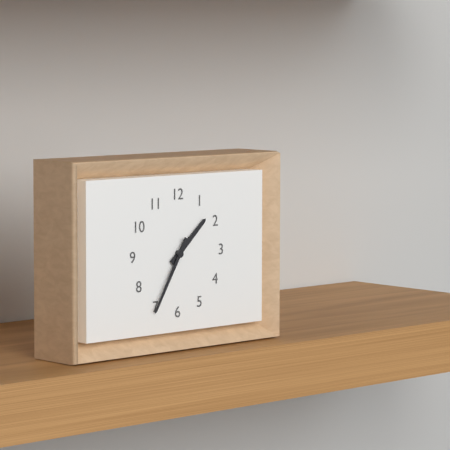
{"hour": 1, "minute": 35}
